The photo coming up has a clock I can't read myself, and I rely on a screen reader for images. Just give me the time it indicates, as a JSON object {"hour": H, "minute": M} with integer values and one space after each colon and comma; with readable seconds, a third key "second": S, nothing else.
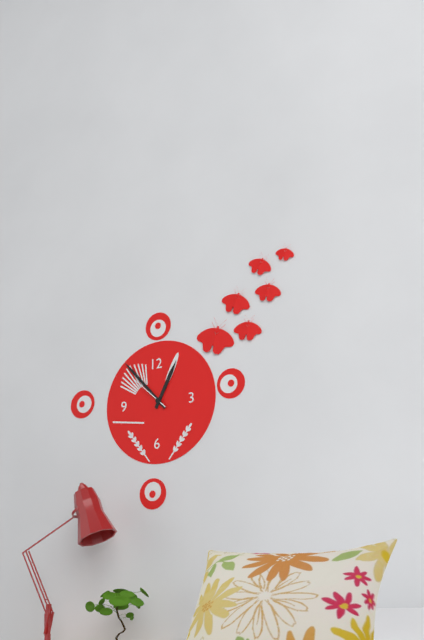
{"hour": 12, "minute": 53}
